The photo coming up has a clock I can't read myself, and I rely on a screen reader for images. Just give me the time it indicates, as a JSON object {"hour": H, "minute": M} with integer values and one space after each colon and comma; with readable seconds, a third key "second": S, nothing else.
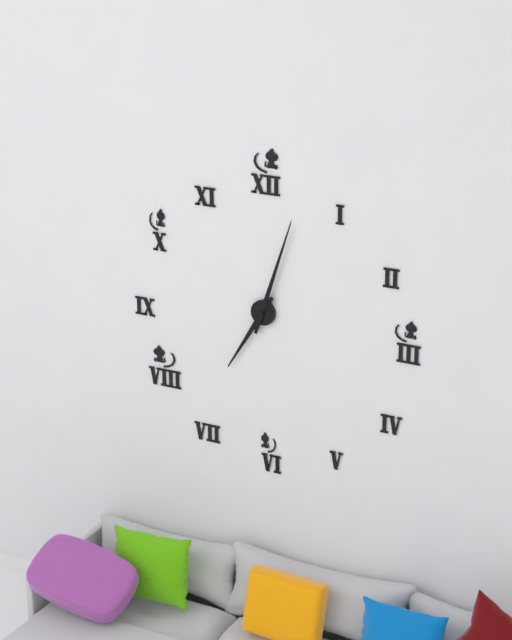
{"hour": 7, "minute": 3}
